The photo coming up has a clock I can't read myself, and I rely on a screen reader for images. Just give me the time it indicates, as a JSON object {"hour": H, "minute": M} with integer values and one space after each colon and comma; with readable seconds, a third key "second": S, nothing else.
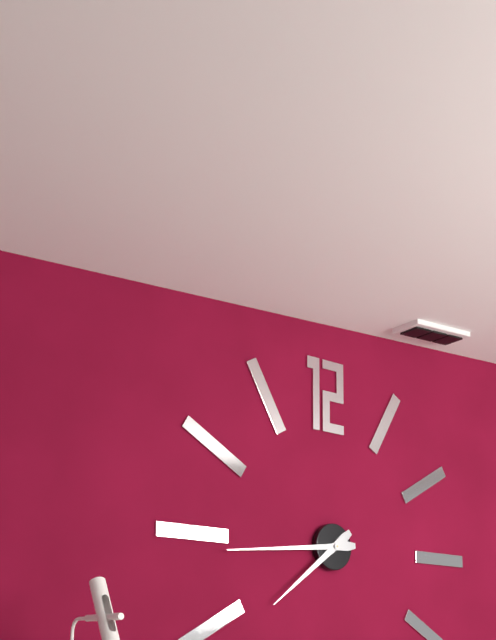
{"hour": 7, "minute": 44}
